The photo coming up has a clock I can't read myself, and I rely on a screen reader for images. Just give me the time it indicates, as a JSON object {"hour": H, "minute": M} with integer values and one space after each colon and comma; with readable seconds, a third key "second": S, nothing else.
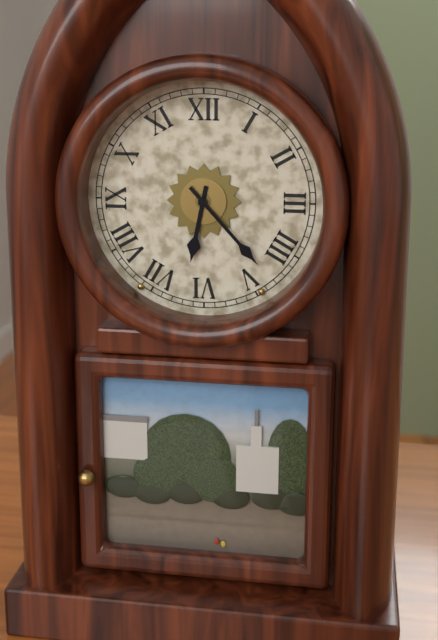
{"hour": 6, "minute": 23}
